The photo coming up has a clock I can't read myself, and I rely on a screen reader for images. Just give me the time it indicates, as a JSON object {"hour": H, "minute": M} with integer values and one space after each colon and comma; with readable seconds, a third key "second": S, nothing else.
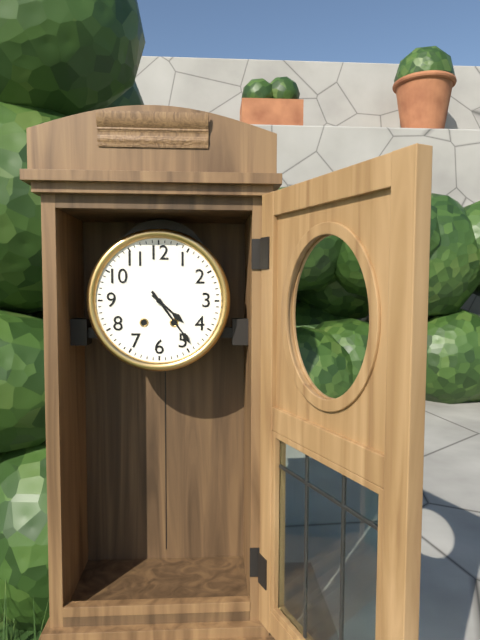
{"hour": 4, "minute": 24}
